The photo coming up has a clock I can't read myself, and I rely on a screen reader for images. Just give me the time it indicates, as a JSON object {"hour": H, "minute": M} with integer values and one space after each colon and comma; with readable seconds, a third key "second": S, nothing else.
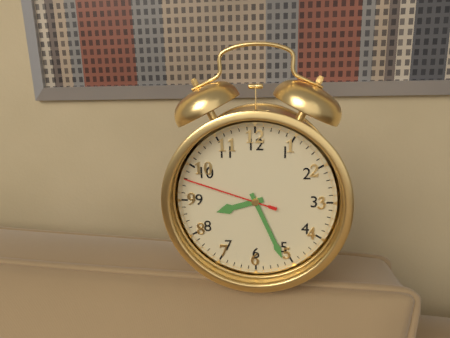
{"hour": 8, "minute": 26, "second": 48}
